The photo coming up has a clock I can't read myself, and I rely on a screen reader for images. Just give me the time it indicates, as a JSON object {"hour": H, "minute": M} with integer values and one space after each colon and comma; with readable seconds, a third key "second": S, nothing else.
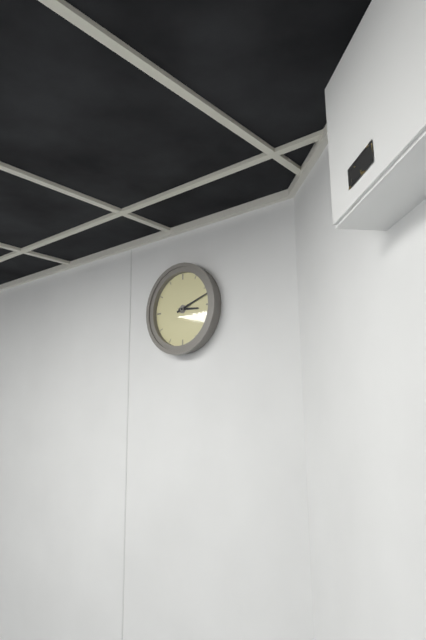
{"hour": 3, "minute": 12}
